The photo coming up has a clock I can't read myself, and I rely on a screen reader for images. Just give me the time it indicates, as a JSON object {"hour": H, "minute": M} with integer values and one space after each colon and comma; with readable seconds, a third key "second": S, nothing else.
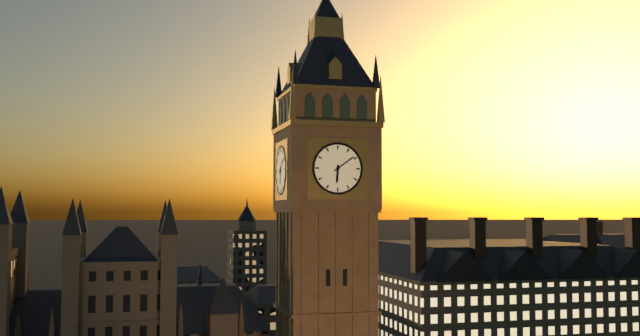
{"hour": 6, "minute": 9}
